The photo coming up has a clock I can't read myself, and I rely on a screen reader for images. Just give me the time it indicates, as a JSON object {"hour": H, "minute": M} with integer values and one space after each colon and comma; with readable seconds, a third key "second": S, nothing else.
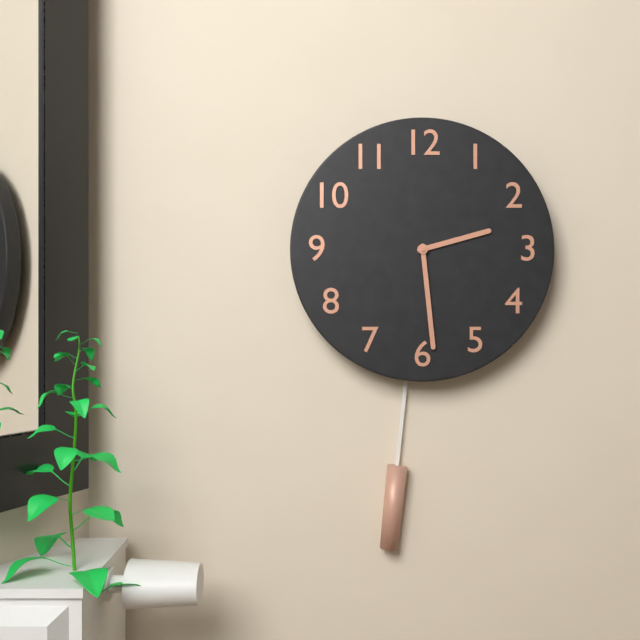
{"hour": 2, "minute": 29}
